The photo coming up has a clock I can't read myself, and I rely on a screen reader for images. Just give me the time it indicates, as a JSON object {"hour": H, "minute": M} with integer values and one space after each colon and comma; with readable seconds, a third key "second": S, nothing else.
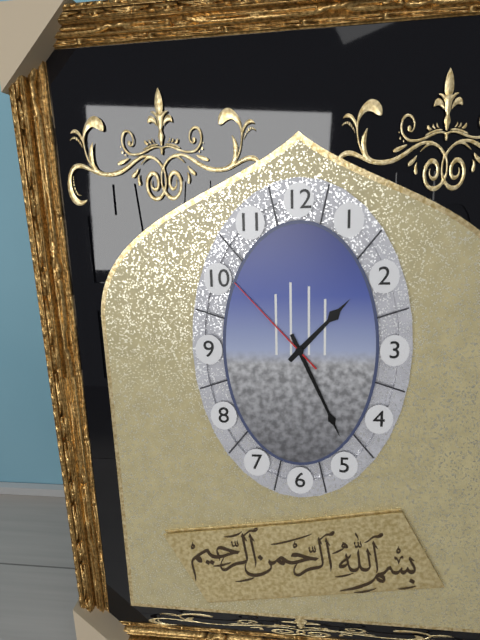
{"hour": 1, "minute": 26, "second": 53}
